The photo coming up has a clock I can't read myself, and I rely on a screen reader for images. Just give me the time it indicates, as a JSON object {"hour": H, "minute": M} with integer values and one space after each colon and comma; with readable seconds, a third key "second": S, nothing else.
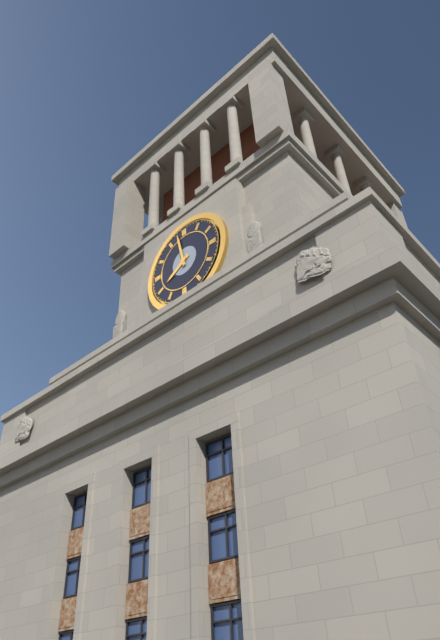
{"hour": 7, "minute": 58}
